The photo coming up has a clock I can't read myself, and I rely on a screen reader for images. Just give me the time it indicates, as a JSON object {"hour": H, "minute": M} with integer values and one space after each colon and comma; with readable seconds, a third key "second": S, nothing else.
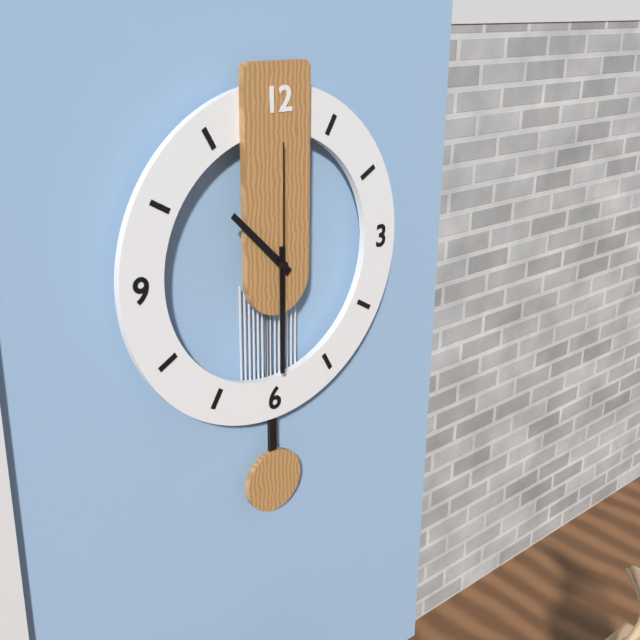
{"hour": 10, "minute": 30, "second": 0}
